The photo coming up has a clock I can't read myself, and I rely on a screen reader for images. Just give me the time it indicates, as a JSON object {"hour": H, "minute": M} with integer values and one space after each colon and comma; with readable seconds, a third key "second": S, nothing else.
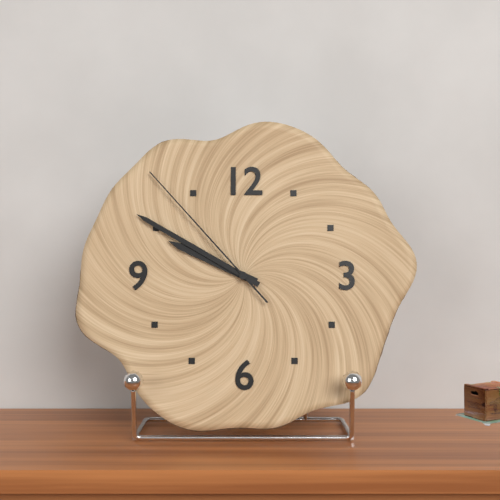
{"hour": 9, "minute": 50, "second": 53}
